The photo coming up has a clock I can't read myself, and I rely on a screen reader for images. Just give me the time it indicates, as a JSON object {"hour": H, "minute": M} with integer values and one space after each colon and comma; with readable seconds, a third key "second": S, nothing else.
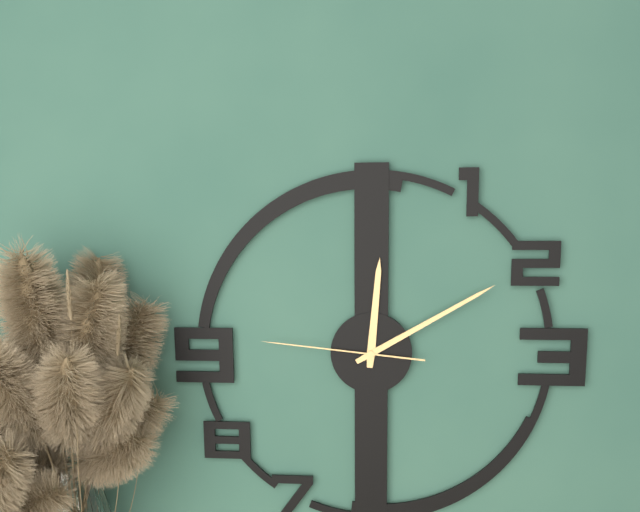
{"hour": 12, "minute": 10, "second": 46}
